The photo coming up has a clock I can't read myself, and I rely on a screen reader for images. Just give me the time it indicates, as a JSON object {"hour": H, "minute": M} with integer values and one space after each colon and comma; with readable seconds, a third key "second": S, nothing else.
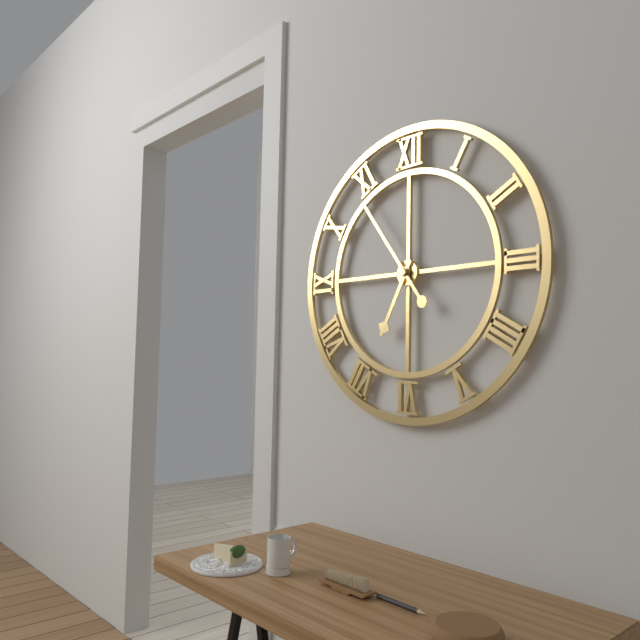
{"hour": 6, "minute": 54}
